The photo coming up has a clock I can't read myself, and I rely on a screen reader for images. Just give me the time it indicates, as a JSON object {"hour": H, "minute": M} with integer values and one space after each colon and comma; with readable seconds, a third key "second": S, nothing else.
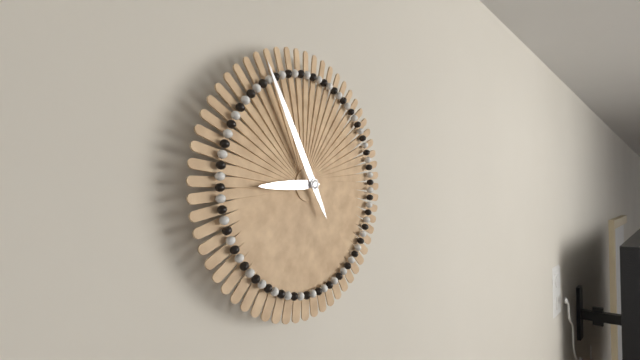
{"hour": 8, "minute": 55}
